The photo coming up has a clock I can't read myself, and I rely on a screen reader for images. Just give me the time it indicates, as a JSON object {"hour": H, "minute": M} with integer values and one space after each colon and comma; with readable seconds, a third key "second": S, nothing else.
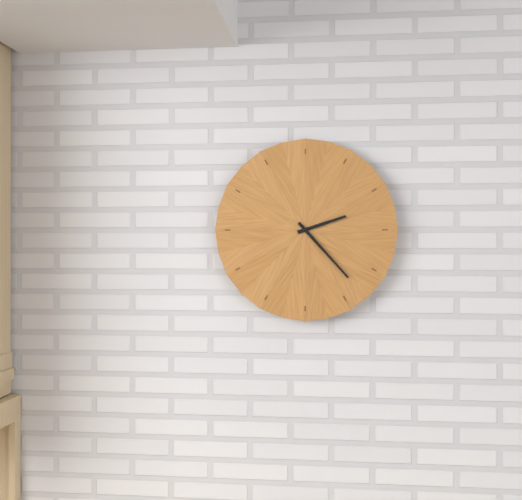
{"hour": 2, "minute": 23}
